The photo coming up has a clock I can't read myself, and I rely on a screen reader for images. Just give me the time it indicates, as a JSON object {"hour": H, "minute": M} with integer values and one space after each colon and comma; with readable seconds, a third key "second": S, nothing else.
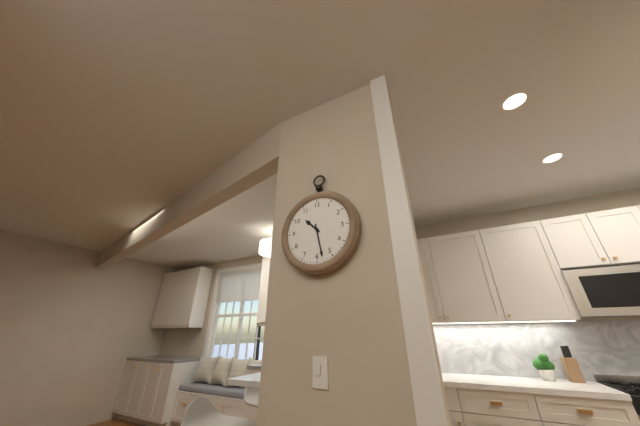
{"hour": 10, "minute": 28}
